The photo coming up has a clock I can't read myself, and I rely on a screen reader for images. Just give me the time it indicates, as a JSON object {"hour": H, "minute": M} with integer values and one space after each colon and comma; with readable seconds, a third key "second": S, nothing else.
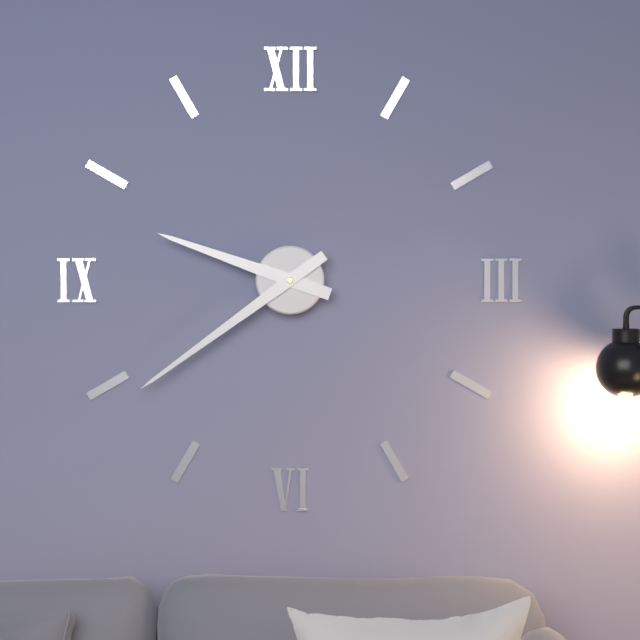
{"hour": 9, "minute": 39}
